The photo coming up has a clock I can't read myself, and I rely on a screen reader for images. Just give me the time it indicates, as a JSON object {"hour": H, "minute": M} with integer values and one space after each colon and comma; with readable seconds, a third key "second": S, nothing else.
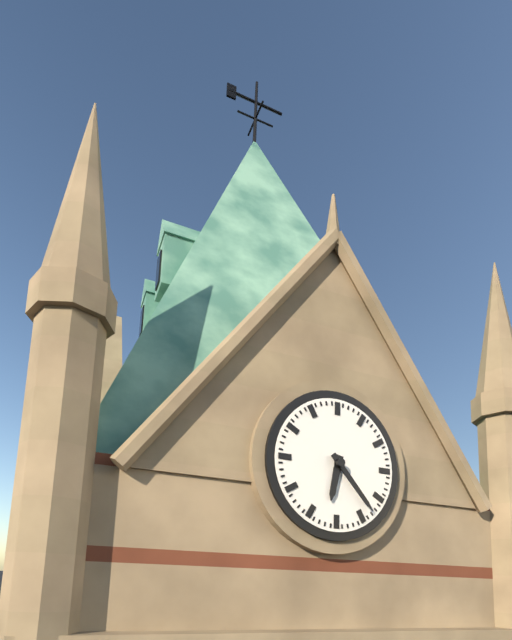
{"hour": 6, "minute": 23}
